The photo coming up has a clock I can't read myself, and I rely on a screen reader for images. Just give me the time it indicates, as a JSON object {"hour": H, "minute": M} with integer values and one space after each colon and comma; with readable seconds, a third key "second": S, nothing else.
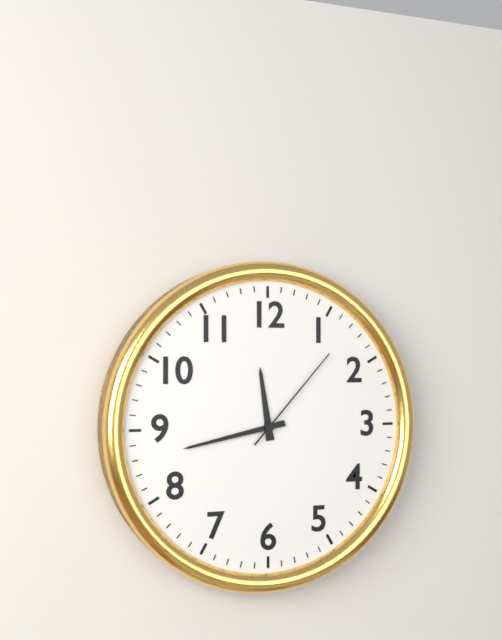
{"hour": 11, "minute": 43, "second": 7}
